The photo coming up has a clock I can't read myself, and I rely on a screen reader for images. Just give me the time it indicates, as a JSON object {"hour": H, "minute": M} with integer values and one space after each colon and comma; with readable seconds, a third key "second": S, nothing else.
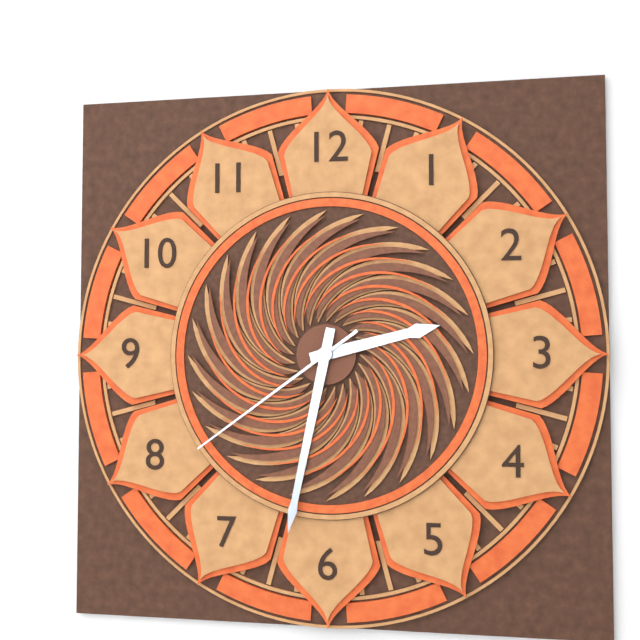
{"hour": 2, "minute": 32, "second": 39}
